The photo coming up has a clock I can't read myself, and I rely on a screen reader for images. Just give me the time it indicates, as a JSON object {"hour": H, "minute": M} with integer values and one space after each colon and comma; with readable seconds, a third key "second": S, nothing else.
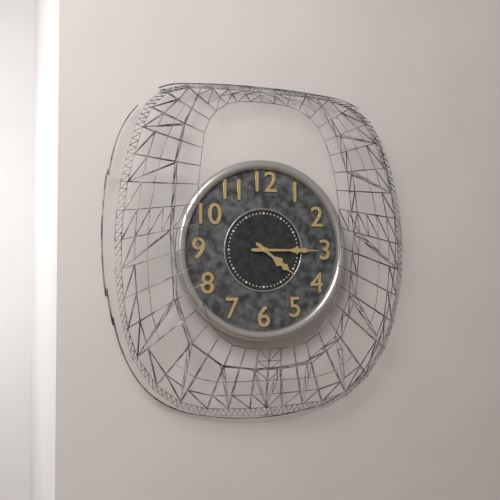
{"hour": 4, "minute": 15}
